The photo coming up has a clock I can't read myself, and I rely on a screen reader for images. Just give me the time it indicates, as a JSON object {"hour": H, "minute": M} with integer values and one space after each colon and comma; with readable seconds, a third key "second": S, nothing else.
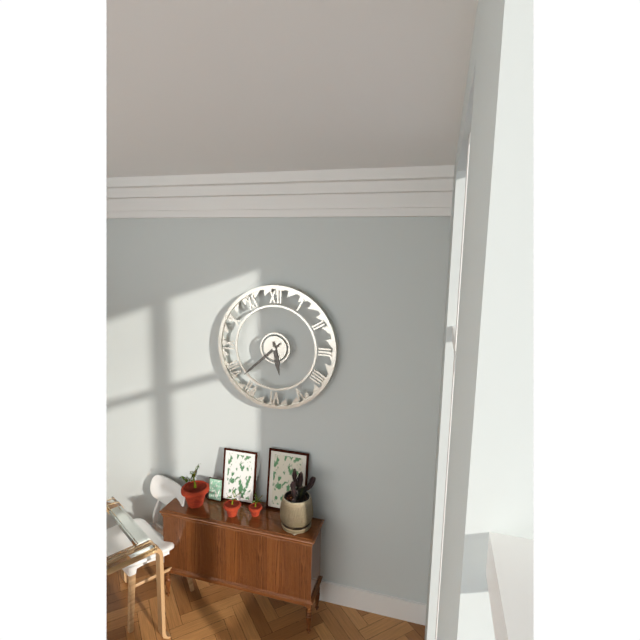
{"hour": 5, "minute": 38}
